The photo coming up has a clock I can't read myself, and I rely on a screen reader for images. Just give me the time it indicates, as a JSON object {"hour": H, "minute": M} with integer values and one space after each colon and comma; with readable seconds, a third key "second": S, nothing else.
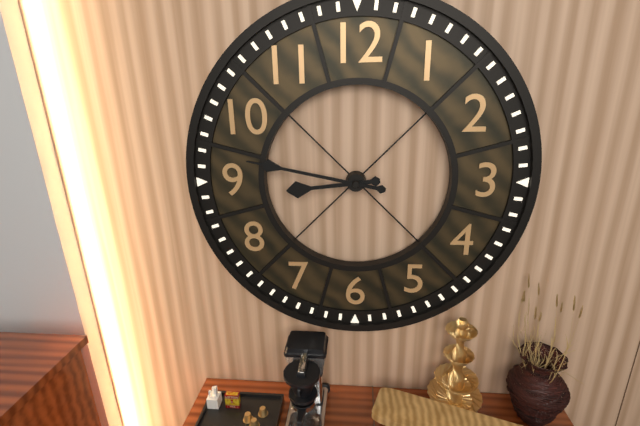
{"hour": 8, "minute": 47}
